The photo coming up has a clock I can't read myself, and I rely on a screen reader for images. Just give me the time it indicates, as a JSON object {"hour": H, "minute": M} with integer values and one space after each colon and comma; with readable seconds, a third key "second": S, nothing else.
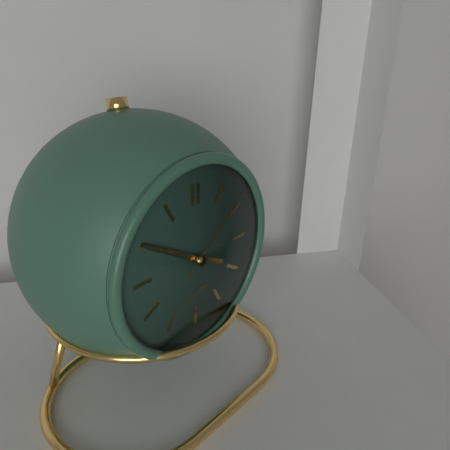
{"hour": 3, "minute": 50, "second": 8}
